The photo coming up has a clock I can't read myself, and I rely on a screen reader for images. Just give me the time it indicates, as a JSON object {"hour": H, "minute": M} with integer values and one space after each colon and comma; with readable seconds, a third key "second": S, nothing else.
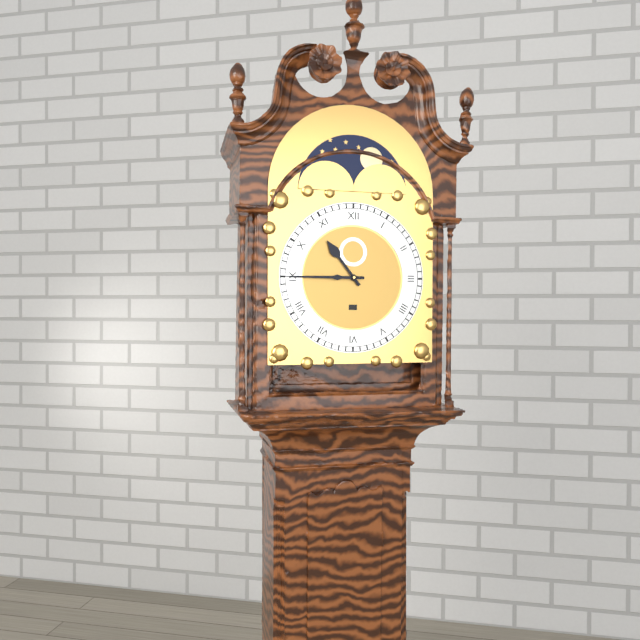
{"hour": 10, "minute": 45}
